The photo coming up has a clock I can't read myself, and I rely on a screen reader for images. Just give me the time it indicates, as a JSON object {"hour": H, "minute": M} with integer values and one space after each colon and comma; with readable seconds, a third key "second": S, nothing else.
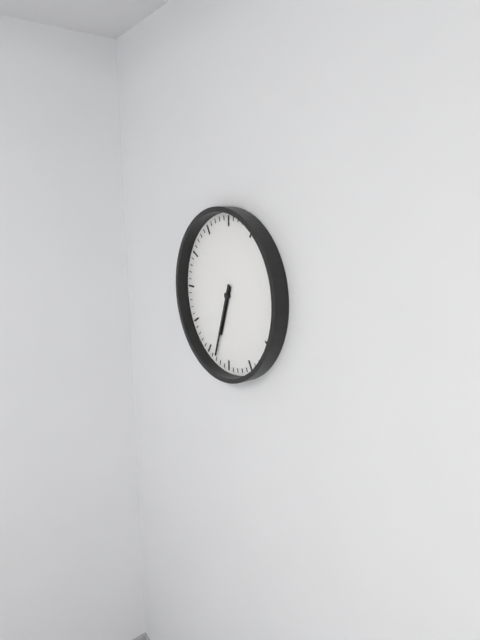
{"hour": 6, "minute": 33}
